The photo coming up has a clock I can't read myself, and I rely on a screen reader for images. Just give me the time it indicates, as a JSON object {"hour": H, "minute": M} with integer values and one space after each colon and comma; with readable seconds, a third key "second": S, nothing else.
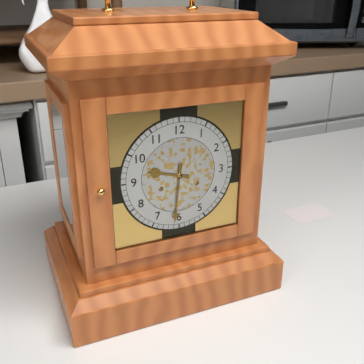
{"hour": 9, "minute": 31}
